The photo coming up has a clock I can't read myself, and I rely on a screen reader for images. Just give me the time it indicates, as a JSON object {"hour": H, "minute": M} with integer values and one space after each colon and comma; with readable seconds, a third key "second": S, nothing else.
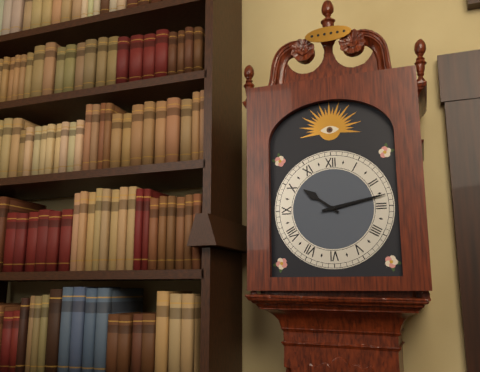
{"hour": 10, "minute": 13}
